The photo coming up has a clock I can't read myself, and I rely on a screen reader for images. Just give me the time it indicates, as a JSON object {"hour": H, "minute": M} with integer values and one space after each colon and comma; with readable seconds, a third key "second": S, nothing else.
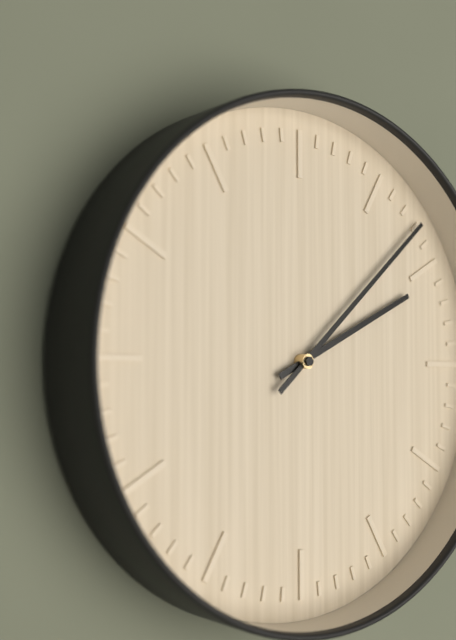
{"hour": 2, "minute": 8}
